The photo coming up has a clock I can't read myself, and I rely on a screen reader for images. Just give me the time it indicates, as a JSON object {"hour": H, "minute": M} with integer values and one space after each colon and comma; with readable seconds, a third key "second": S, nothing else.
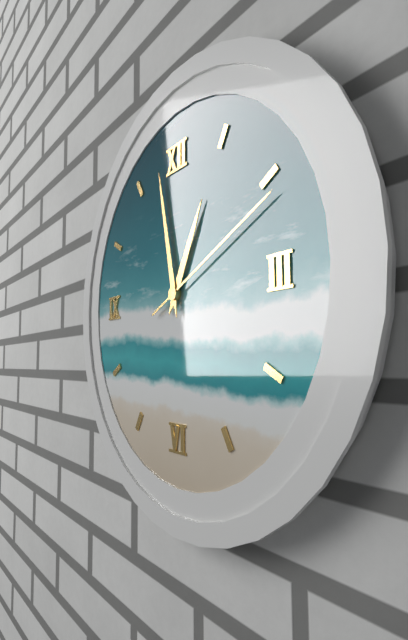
{"hour": 12, "minute": 58, "second": 11}
